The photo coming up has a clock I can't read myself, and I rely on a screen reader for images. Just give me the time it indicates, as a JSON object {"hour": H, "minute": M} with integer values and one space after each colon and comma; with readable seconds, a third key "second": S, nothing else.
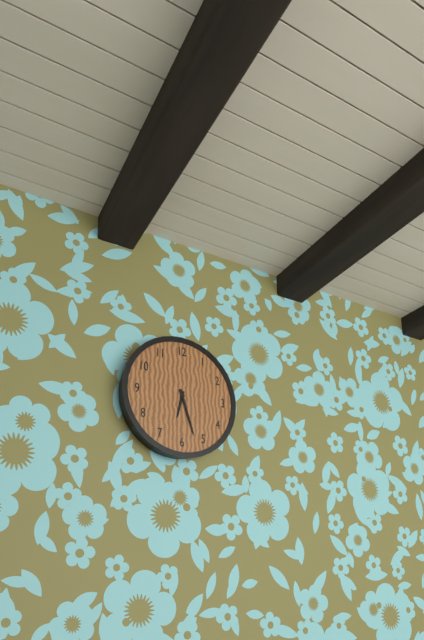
{"hour": 6, "minute": 27}
